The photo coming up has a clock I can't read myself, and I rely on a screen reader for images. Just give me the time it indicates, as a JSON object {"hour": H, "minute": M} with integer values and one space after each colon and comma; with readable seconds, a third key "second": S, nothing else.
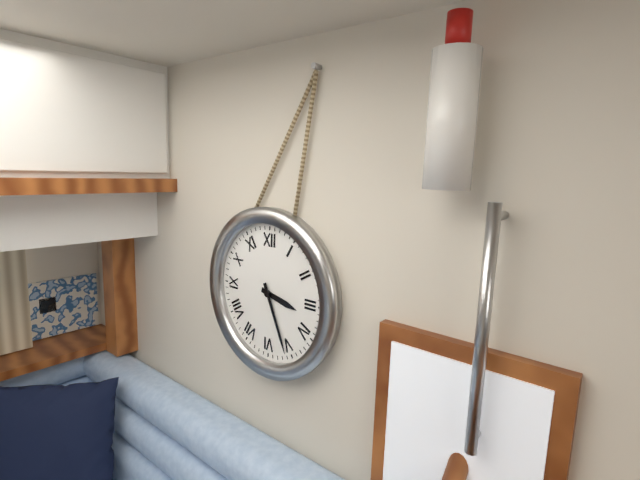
{"hour": 3, "minute": 26}
